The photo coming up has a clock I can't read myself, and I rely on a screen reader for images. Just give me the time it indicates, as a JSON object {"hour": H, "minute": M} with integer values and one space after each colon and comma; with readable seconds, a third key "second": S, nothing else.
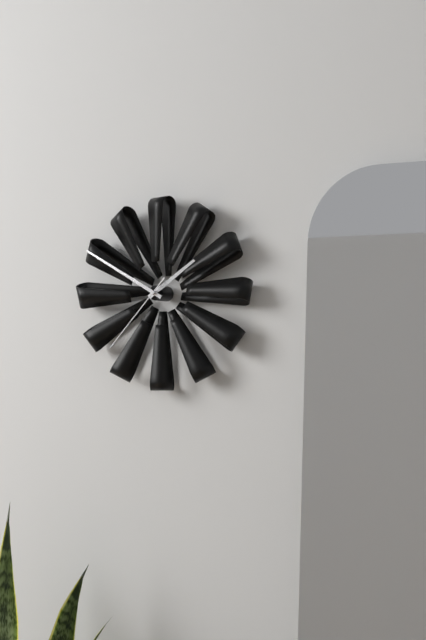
{"hour": 1, "minute": 50, "second": 37}
